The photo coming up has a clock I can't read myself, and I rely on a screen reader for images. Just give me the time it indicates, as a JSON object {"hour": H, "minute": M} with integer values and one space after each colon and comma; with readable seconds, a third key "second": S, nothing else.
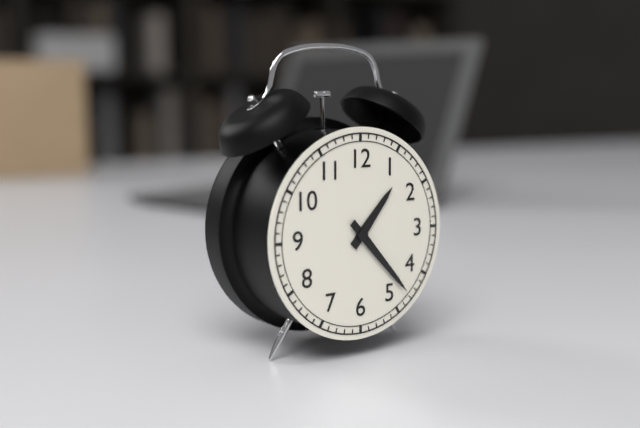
{"hour": 1, "minute": 23}
